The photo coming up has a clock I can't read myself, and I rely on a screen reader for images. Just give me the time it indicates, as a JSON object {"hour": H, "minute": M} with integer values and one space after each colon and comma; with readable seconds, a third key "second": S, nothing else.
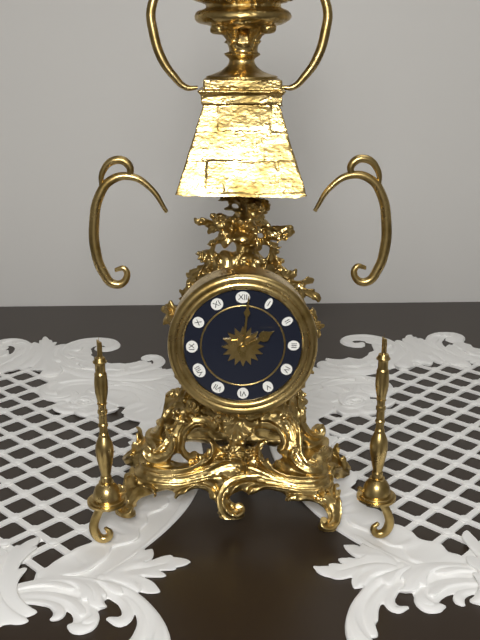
{"hour": 2, "minute": 1}
